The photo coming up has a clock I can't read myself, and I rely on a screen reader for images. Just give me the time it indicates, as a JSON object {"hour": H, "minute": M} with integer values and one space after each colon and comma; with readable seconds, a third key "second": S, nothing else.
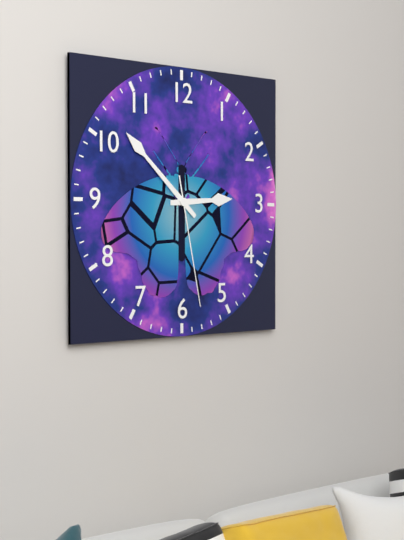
{"hour": 2, "minute": 52, "second": 28}
